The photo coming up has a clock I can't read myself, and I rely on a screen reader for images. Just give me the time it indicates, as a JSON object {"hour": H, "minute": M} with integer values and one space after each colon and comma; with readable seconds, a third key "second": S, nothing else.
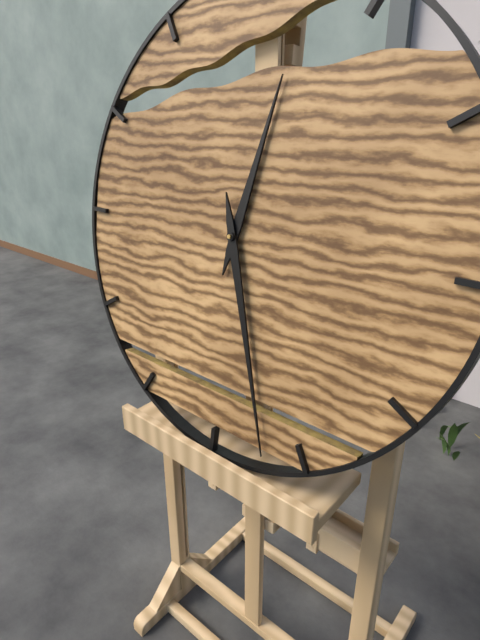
{"hour": 12, "minute": 27}
